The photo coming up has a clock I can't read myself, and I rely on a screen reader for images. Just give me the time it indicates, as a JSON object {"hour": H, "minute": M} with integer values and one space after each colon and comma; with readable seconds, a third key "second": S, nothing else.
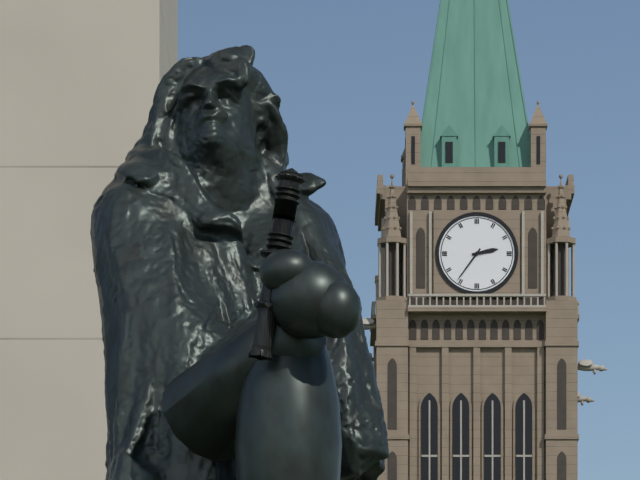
{"hour": 2, "minute": 36}
